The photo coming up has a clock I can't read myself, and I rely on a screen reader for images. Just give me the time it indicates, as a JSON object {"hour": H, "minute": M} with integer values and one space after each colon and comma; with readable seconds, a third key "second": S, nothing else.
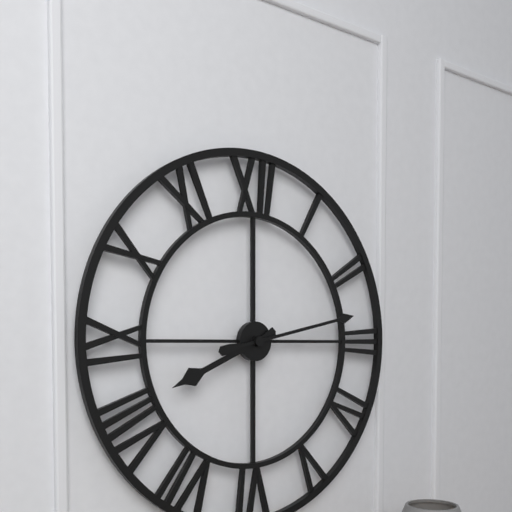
{"hour": 8, "minute": 13}
